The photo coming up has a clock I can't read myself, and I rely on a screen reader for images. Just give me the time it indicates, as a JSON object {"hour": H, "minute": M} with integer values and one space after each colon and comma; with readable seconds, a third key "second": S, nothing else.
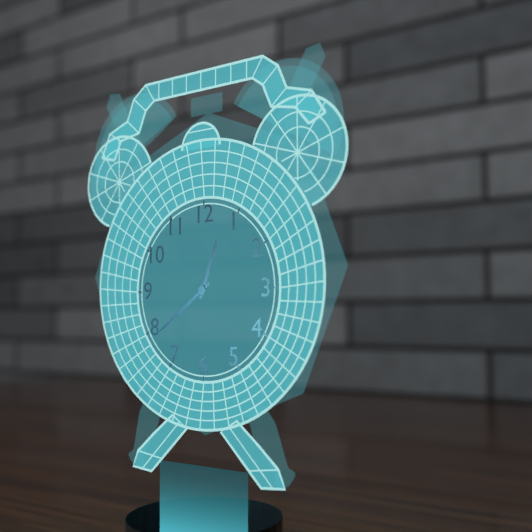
{"hour": 12, "minute": 39}
